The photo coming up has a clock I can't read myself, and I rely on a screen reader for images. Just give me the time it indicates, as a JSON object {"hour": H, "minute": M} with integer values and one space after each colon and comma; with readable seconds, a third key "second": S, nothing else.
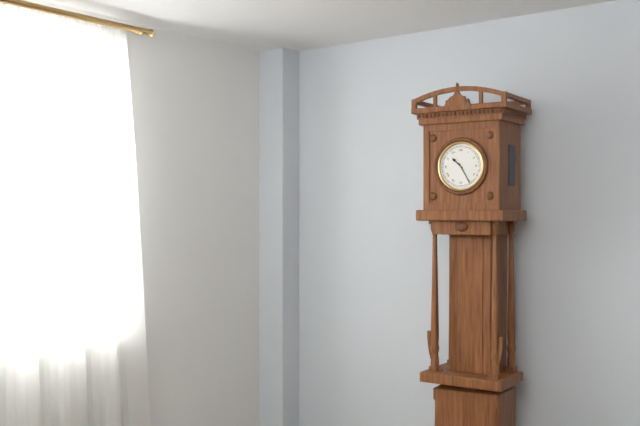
{"hour": 10, "minute": 25}
